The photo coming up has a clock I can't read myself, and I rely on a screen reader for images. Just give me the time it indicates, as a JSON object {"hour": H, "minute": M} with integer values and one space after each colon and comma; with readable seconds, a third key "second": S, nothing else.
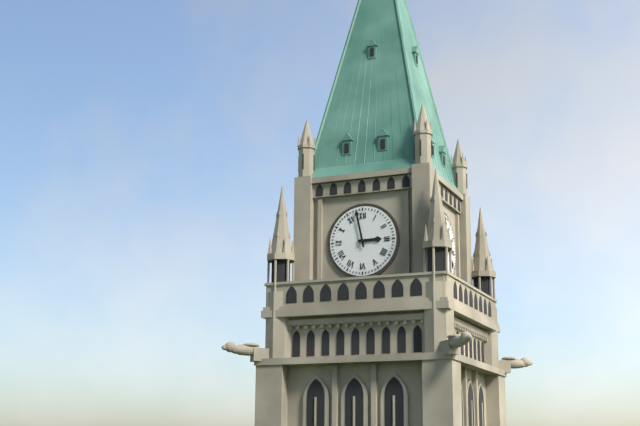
{"hour": 2, "minute": 58}
